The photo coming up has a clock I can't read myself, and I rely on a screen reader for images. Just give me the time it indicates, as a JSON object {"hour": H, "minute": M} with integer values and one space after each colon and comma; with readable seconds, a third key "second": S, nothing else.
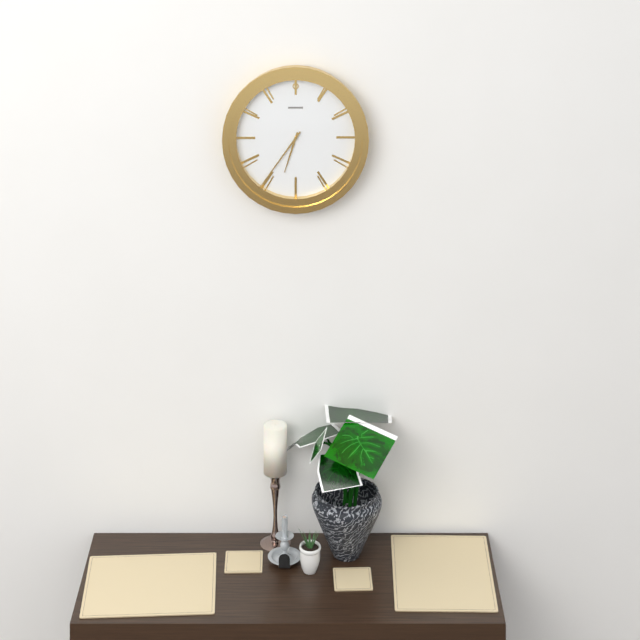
{"hour": 6, "minute": 36}
